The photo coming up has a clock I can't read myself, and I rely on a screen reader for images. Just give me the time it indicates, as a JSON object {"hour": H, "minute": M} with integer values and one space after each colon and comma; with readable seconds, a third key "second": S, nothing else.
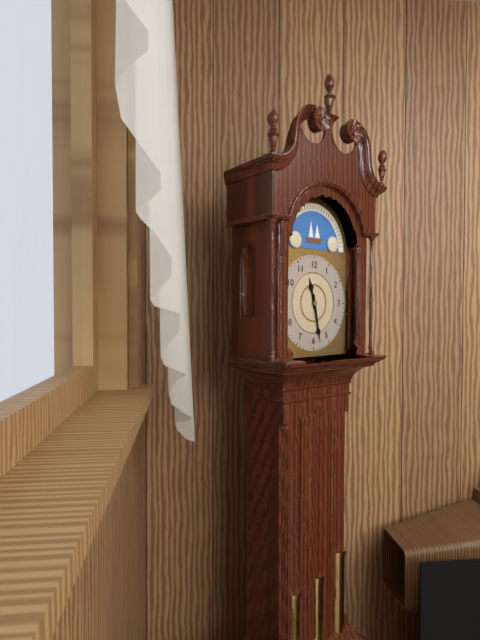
{"hour": 11, "minute": 28}
